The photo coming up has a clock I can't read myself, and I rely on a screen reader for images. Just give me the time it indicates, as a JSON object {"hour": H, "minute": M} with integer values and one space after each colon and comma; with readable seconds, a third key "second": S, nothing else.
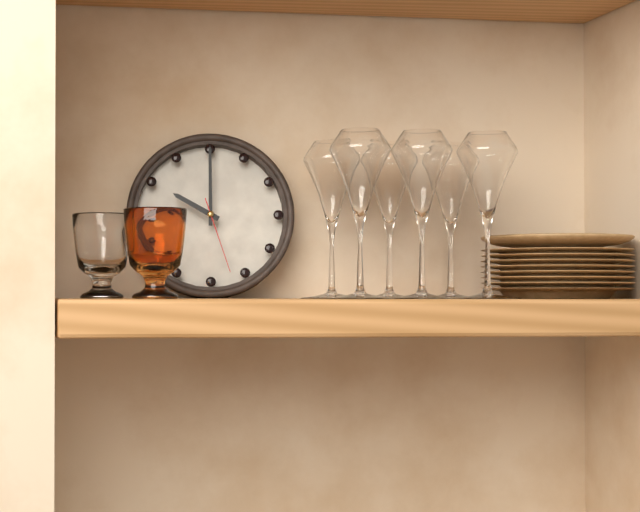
{"hour": 10, "minute": 0, "second": 27}
